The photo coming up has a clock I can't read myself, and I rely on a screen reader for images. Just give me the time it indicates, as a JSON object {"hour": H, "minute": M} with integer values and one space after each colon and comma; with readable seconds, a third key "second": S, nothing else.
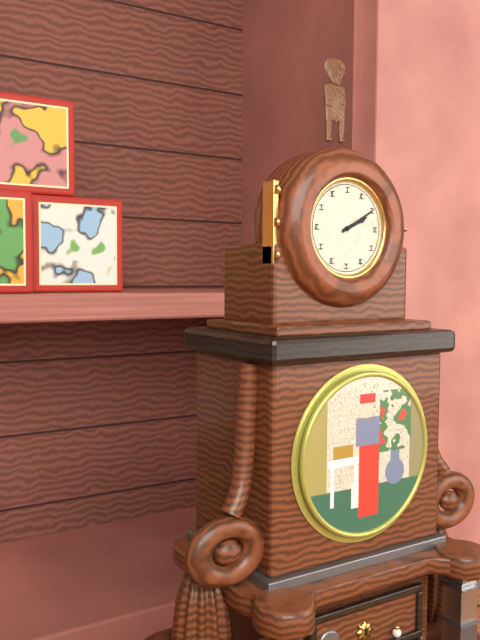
{"hour": 2, "minute": 10}
